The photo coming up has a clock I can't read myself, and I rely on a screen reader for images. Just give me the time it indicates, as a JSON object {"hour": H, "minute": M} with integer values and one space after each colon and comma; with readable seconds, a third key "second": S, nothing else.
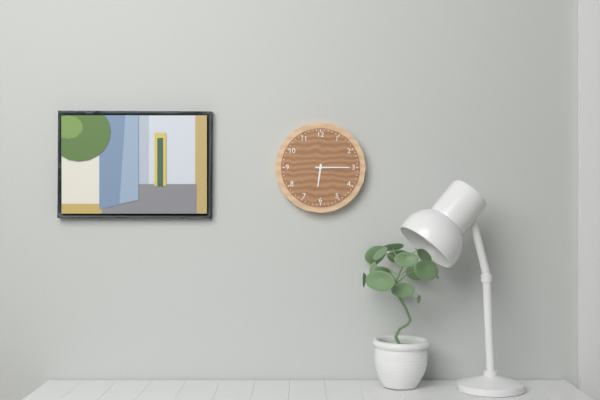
{"hour": 6, "minute": 15}
